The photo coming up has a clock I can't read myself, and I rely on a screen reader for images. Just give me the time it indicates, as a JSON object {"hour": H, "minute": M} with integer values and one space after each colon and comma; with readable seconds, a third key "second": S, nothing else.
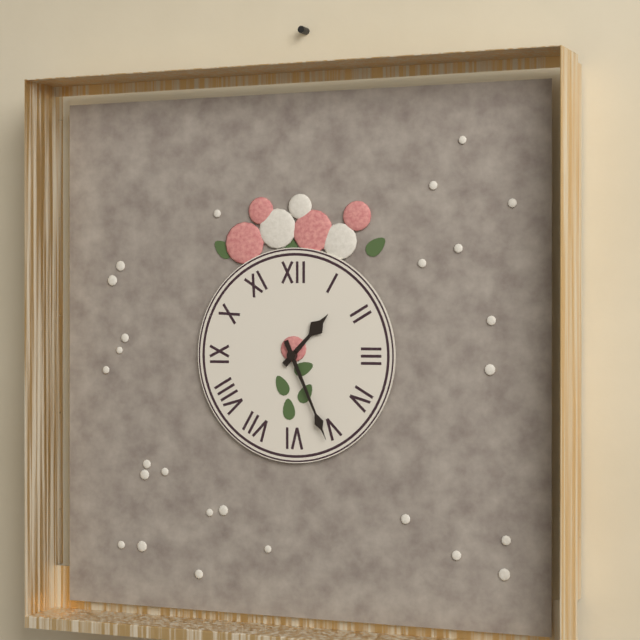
{"hour": 1, "minute": 26}
